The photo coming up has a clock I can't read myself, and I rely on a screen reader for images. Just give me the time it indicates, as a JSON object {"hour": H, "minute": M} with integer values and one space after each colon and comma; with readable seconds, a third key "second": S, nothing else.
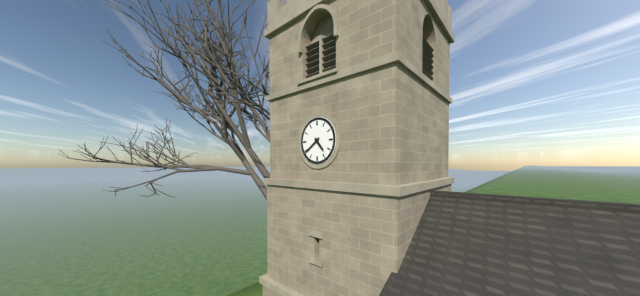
{"hour": 4, "minute": 39}
